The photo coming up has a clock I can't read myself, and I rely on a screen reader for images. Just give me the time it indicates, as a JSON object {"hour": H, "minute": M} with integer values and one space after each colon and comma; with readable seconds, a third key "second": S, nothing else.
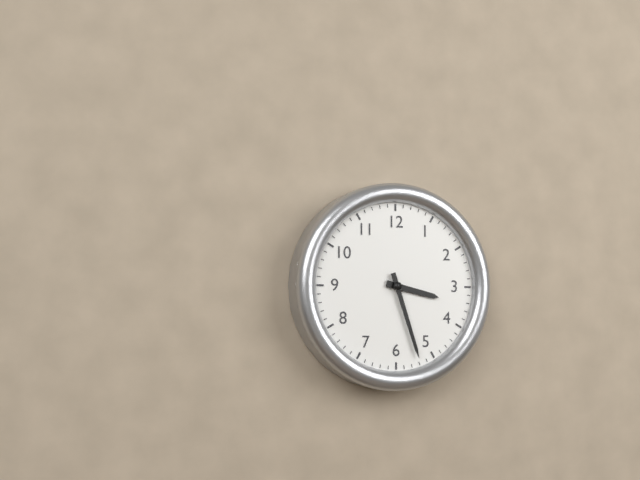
{"hour": 3, "minute": 27}
